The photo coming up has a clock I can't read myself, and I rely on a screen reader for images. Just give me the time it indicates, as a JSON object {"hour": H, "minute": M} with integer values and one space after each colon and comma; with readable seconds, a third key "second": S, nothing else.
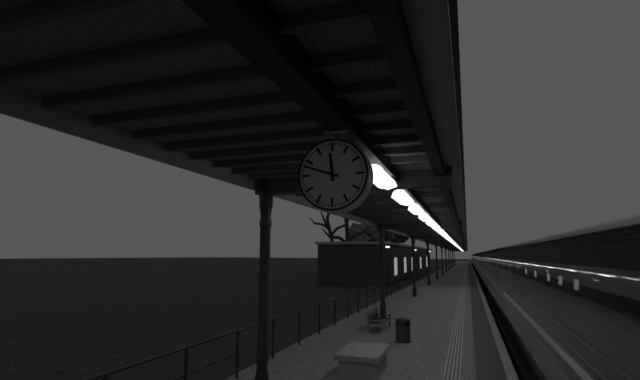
{"hour": 11, "minute": 48}
